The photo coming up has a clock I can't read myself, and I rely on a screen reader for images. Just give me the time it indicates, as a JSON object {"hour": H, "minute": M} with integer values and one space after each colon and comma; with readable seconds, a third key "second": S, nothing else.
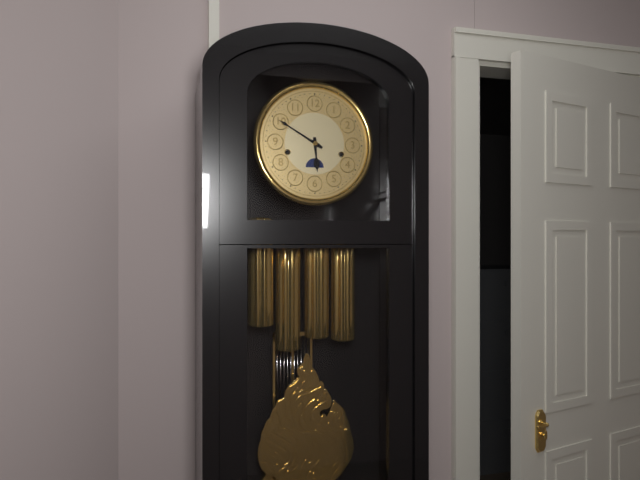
{"hour": 5, "minute": 50}
